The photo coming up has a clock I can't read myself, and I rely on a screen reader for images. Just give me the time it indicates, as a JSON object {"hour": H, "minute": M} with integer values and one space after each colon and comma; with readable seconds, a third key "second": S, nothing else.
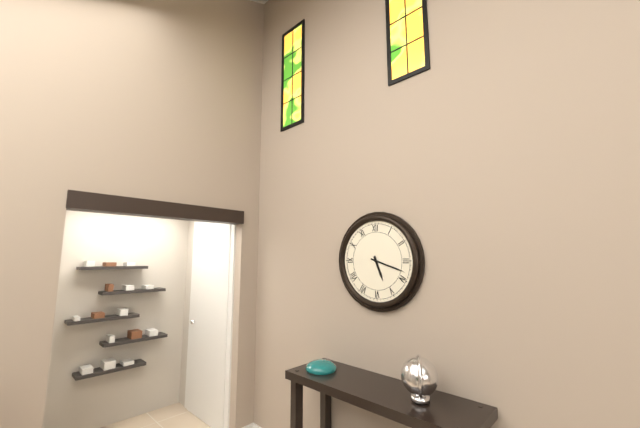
{"hour": 5, "minute": 18}
